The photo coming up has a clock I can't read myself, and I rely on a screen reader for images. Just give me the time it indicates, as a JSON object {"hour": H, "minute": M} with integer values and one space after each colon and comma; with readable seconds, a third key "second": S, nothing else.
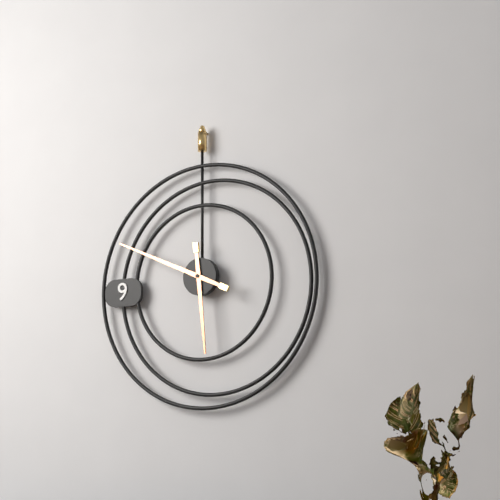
{"hour": 5, "minute": 49}
